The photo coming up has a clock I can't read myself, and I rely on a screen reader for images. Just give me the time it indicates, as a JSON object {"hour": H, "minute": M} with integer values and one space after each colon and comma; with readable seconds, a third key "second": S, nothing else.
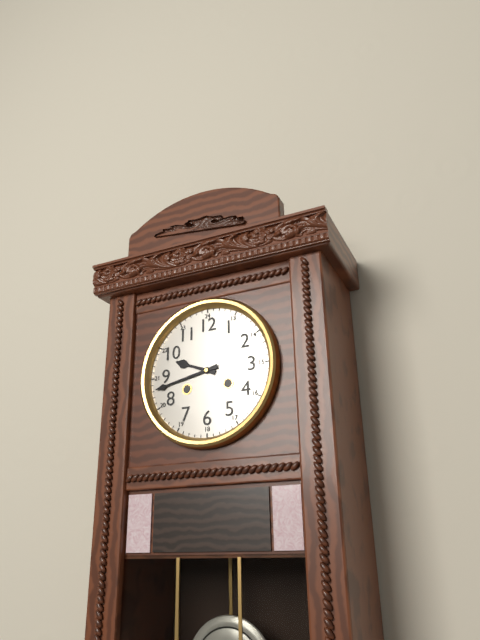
{"hour": 9, "minute": 43}
